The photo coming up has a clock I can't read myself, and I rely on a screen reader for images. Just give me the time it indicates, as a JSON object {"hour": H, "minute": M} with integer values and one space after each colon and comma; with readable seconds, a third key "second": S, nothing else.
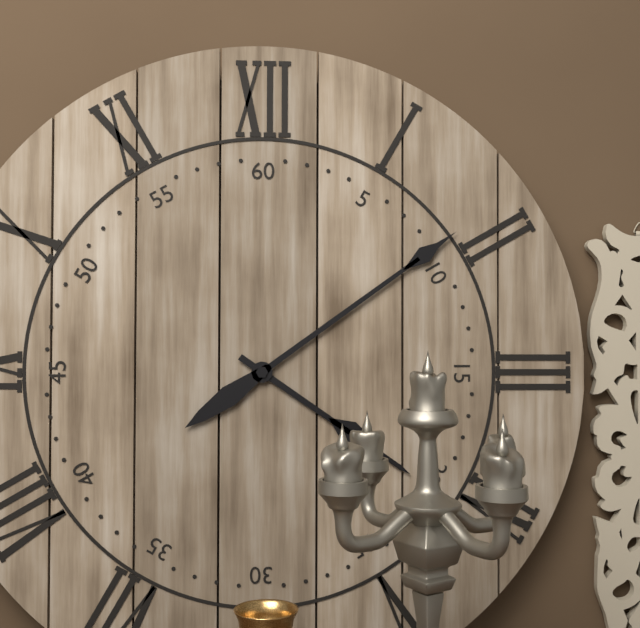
{"hour": 4, "minute": 9}
